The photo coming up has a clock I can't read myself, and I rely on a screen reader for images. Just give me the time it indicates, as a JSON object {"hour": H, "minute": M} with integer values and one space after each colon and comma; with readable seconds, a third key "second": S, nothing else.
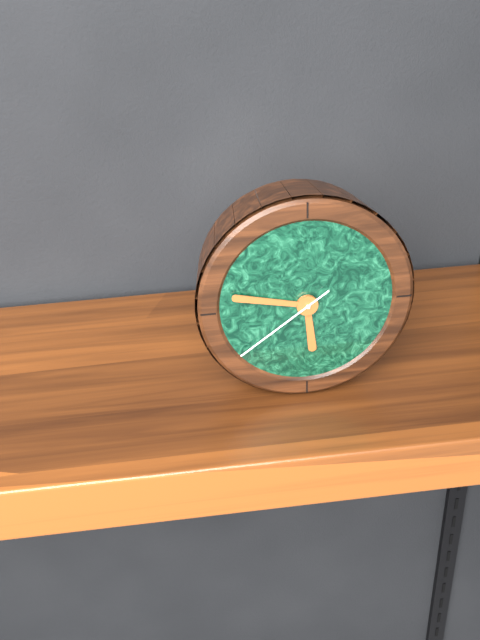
{"hour": 5, "minute": 47, "second": 39}
